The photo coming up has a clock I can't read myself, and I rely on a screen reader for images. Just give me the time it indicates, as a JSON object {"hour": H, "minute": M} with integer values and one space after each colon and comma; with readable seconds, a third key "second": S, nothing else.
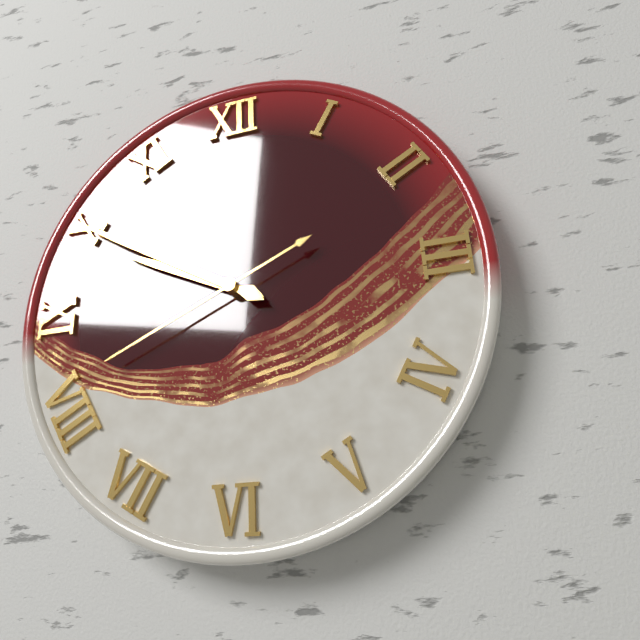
{"hour": 9, "minute": 50, "second": 41}
